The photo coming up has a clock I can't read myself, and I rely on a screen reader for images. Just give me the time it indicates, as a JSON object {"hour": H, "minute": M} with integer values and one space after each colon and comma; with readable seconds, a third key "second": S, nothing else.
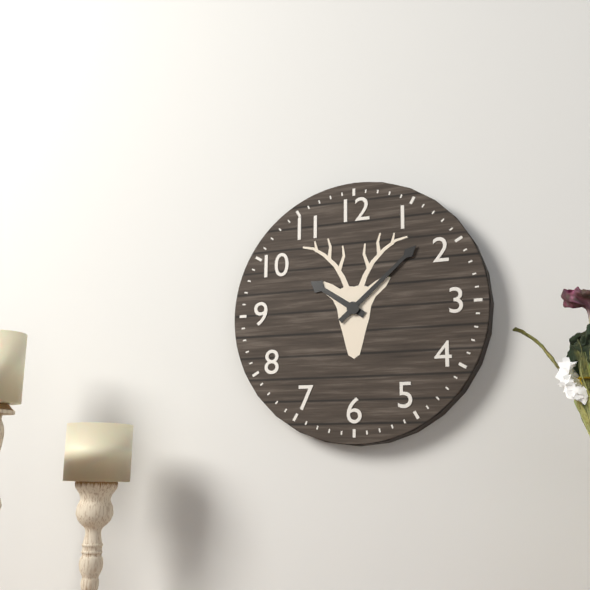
{"hour": 10, "minute": 8}
